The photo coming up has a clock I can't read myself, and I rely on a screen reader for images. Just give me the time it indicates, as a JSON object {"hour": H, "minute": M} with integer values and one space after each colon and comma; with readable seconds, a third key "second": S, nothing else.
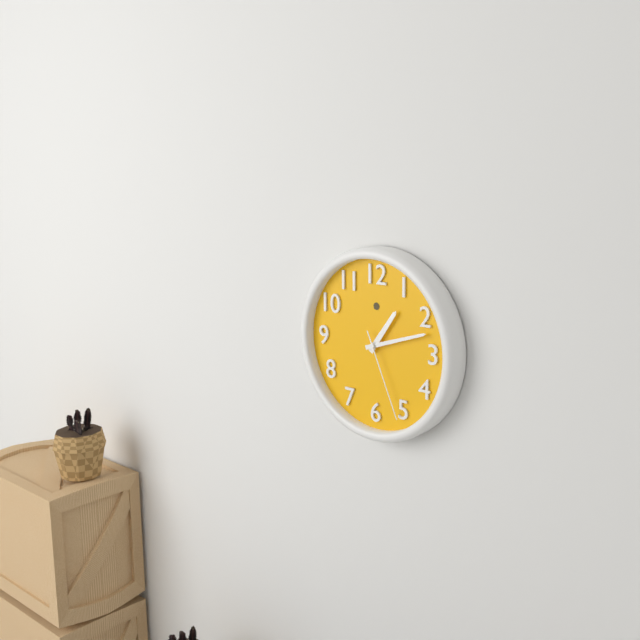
{"hour": 1, "minute": 12, "second": 26}
